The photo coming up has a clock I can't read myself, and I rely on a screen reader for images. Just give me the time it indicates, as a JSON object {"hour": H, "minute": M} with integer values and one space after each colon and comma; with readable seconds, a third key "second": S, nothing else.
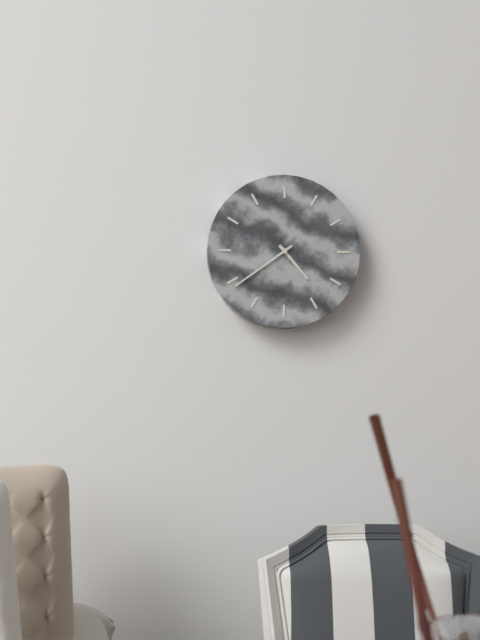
{"hour": 4, "minute": 39}
